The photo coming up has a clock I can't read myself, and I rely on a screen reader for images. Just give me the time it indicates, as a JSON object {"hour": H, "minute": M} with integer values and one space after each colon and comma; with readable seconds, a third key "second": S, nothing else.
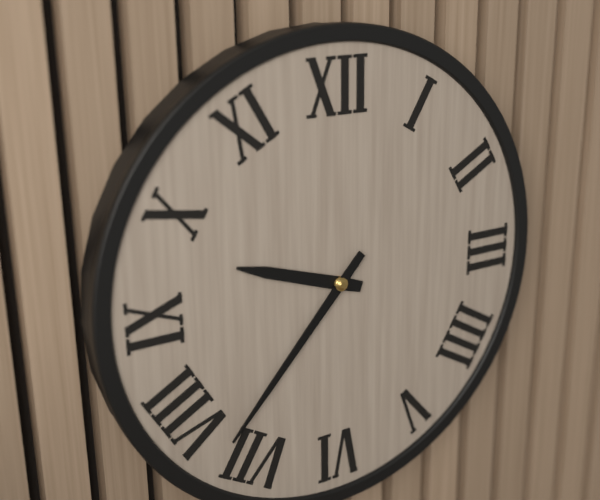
{"hour": 9, "minute": 37}
